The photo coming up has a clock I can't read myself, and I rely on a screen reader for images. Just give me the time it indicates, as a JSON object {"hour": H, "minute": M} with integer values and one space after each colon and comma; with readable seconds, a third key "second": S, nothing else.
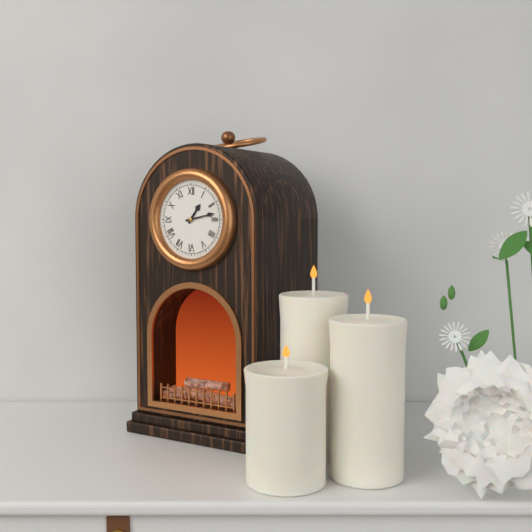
{"hour": 1, "minute": 13}
